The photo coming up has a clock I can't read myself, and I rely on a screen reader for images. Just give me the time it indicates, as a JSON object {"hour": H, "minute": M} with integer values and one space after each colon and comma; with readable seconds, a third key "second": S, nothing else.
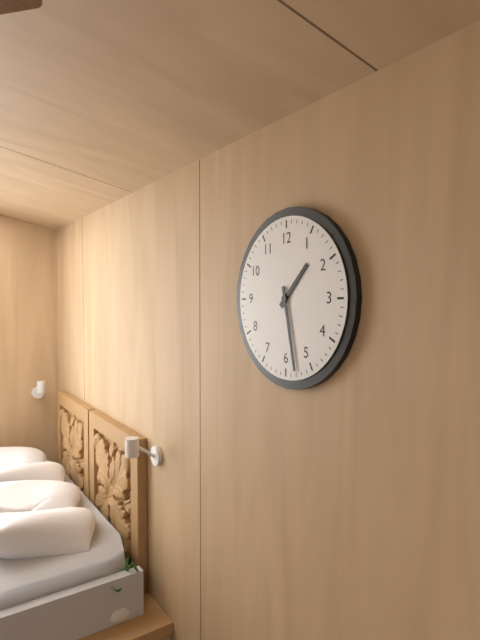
{"hour": 1, "minute": 28}
